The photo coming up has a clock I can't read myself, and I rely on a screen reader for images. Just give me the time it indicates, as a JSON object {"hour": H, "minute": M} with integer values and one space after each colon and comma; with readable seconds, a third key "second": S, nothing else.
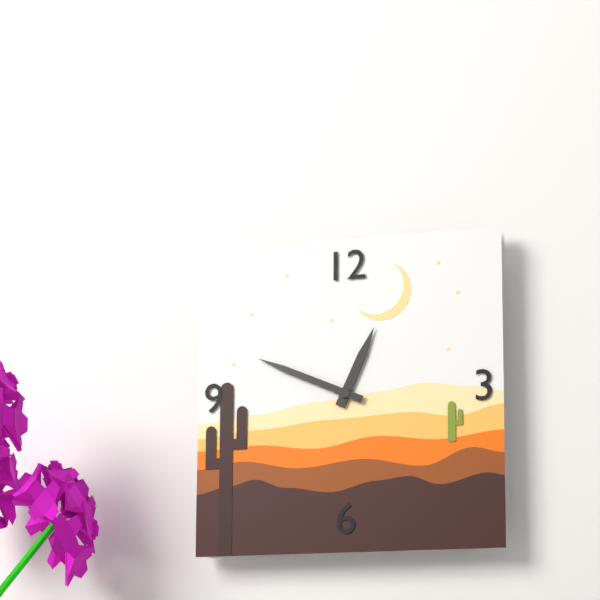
{"hour": 12, "minute": 49}
